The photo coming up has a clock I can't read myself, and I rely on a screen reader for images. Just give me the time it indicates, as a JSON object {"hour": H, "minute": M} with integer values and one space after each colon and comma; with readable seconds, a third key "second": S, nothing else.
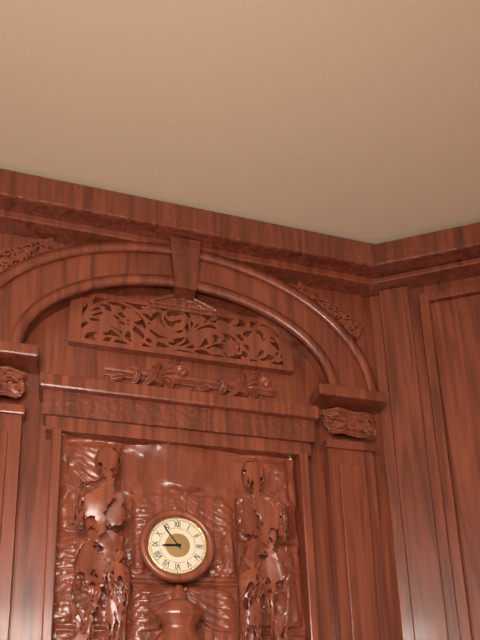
{"hour": 8, "minute": 54}
